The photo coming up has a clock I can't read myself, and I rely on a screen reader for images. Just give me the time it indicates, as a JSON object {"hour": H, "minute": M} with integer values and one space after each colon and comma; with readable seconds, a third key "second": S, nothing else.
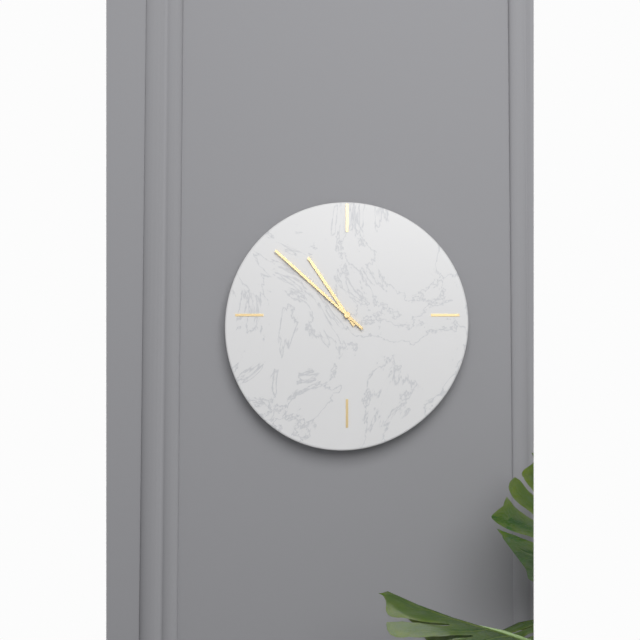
{"hour": 10, "minute": 52}
